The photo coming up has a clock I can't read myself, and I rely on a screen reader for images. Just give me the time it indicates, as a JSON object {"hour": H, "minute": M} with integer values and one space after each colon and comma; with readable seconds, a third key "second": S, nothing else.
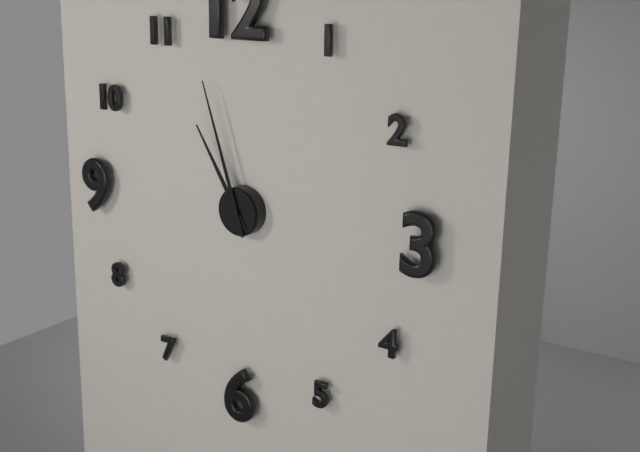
{"hour": 10, "minute": 57}
